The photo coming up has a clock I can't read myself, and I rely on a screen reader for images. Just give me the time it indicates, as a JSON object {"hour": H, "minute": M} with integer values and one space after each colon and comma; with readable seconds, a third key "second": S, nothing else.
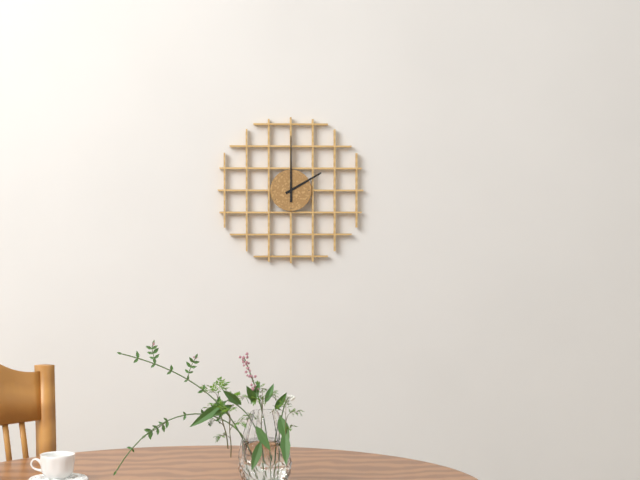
{"hour": 2, "minute": 0}
